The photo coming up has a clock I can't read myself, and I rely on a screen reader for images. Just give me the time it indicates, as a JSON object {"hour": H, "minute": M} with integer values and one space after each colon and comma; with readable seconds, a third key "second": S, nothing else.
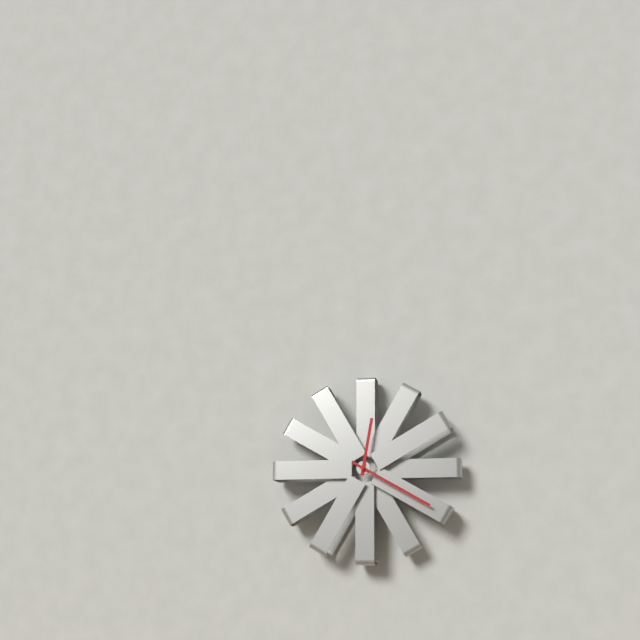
{"hour": 12, "minute": 20}
